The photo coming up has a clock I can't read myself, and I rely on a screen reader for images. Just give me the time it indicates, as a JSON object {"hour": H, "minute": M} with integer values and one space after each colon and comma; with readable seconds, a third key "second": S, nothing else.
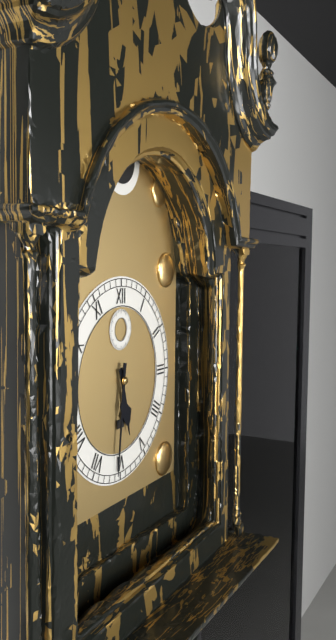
{"hour": 5, "minute": 31}
